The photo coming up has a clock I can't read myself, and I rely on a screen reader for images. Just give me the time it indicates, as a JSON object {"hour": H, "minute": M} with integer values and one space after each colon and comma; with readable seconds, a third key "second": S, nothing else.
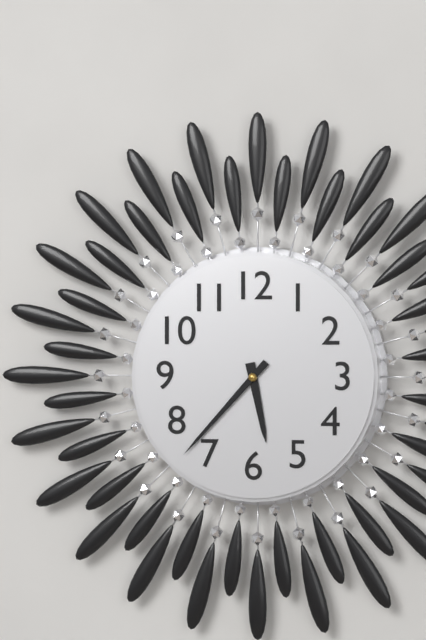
{"hour": 5, "minute": 37}
